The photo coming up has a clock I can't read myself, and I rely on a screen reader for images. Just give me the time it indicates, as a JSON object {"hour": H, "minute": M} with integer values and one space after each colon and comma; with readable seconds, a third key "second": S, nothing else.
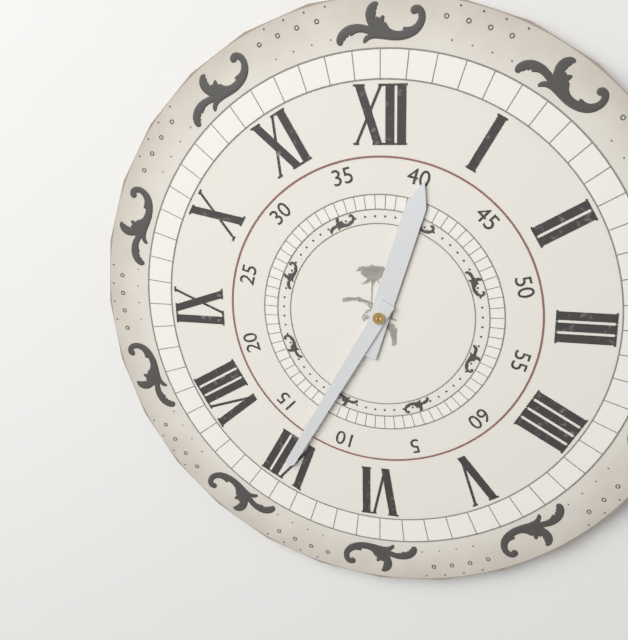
{"hour": 12, "minute": 35}
